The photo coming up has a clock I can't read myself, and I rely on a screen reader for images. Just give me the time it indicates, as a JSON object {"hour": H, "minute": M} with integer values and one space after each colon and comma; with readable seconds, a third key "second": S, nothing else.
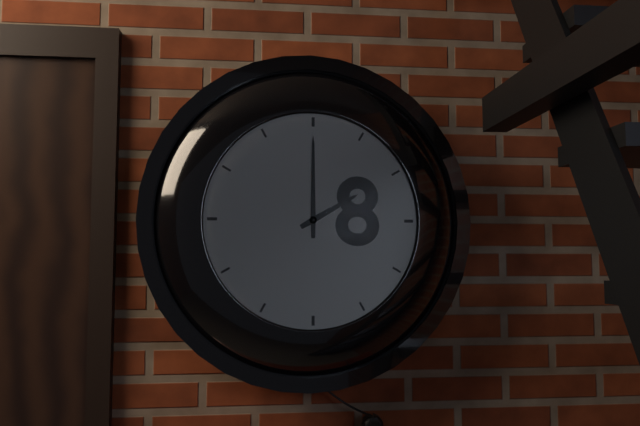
{"hour": 2, "minute": 0}
